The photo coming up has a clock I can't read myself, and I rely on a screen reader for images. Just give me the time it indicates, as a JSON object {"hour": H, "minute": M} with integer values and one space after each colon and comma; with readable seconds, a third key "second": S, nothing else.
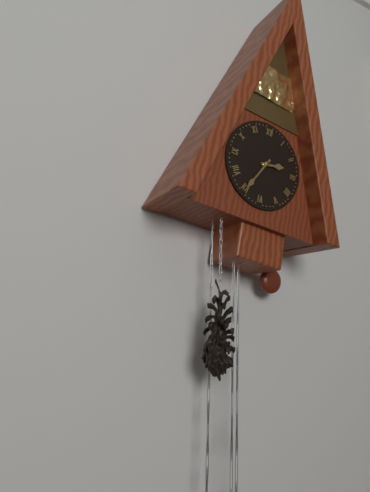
{"hour": 2, "minute": 35}
